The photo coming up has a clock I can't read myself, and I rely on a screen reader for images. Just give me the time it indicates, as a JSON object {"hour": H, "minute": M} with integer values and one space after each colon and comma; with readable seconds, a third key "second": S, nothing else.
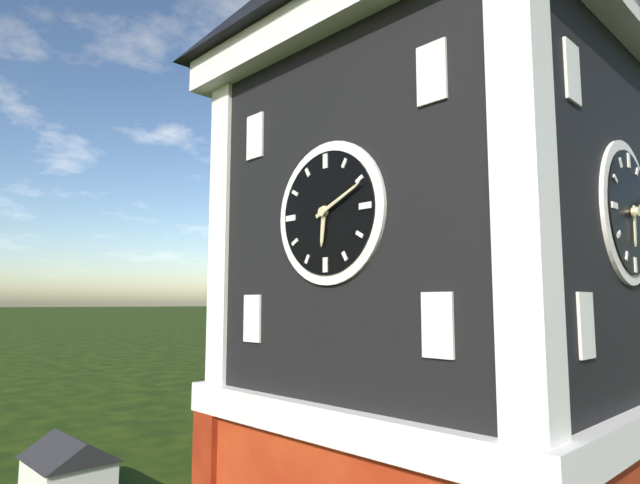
{"hour": 6, "minute": 11}
